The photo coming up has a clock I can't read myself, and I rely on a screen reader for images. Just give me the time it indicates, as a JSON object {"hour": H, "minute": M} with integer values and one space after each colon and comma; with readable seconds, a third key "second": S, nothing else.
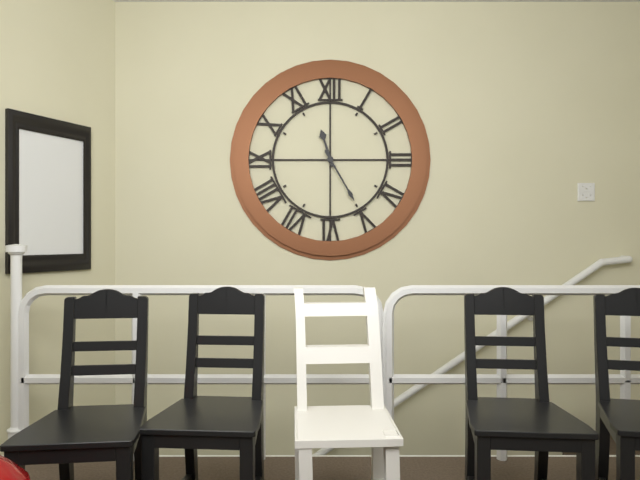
{"hour": 11, "minute": 25}
